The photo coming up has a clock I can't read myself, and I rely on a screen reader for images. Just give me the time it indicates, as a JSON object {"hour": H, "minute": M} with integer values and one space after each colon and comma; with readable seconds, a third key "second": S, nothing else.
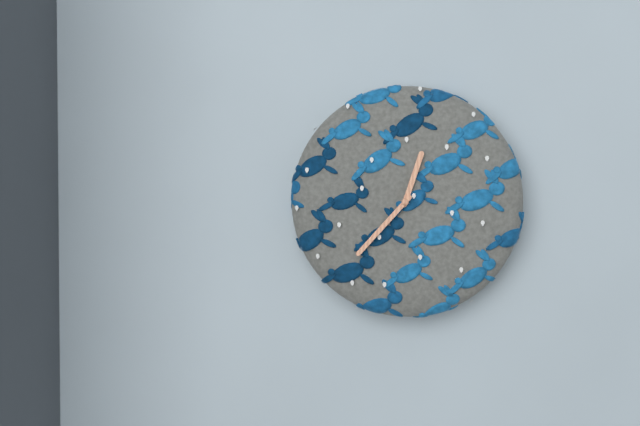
{"hour": 12, "minute": 37}
